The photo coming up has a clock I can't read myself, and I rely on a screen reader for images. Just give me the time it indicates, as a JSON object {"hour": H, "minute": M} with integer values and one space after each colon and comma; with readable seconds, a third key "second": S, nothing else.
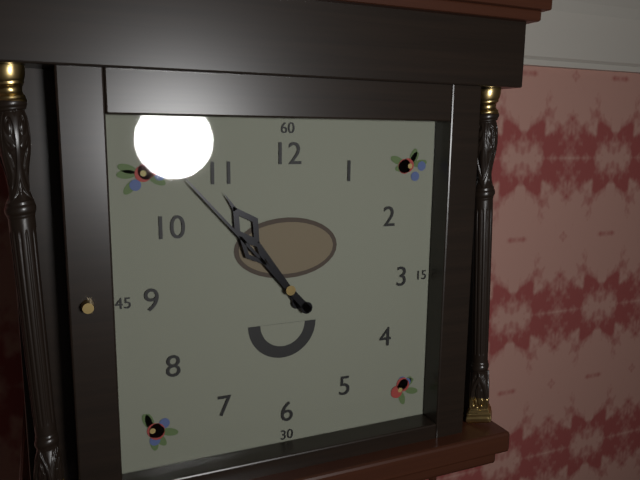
{"hour": 10, "minute": 53}
